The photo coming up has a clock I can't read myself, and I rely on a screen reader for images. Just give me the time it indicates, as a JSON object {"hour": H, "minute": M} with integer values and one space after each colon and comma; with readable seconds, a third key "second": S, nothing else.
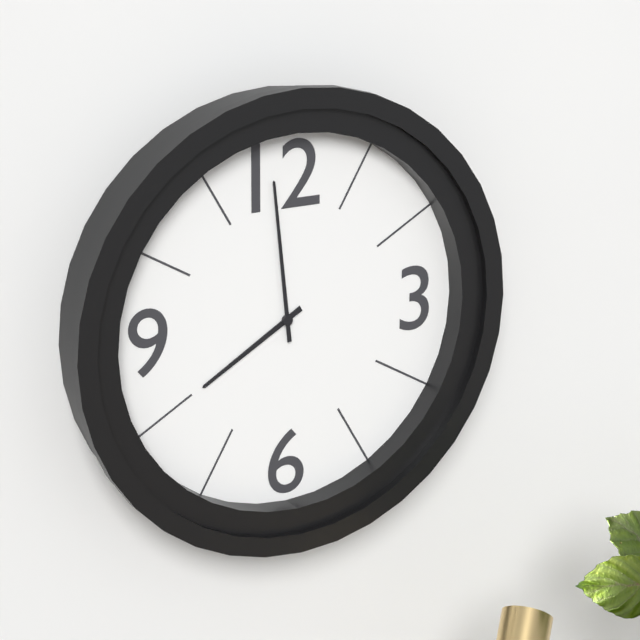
{"hour": 7, "minute": 59}
